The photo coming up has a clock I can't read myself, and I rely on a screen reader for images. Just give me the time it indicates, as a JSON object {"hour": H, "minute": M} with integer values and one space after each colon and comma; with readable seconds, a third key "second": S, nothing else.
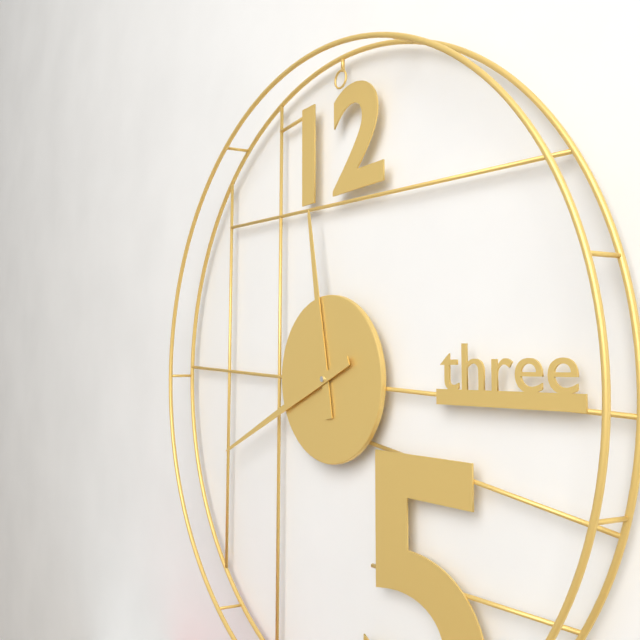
{"hour": 11, "minute": 41}
